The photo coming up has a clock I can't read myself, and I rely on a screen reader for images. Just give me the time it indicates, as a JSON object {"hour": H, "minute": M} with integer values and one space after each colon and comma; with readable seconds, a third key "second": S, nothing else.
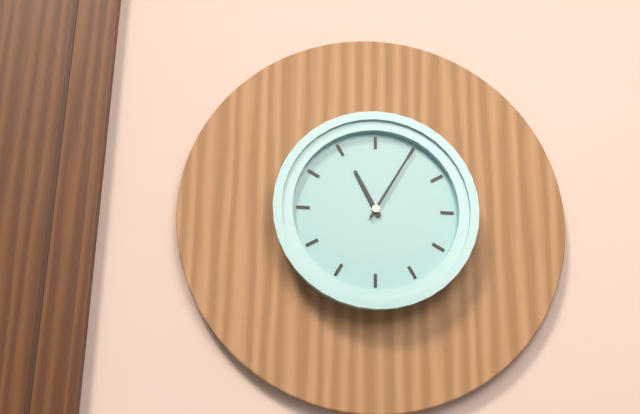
{"hour": 11, "minute": 5}
